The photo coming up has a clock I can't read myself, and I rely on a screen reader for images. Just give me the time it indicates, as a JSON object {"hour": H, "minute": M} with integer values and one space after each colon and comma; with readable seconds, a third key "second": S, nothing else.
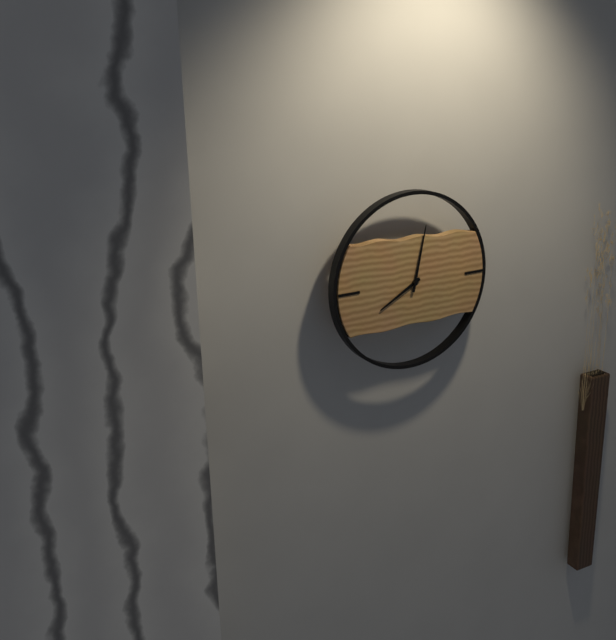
{"hour": 8, "minute": 2}
